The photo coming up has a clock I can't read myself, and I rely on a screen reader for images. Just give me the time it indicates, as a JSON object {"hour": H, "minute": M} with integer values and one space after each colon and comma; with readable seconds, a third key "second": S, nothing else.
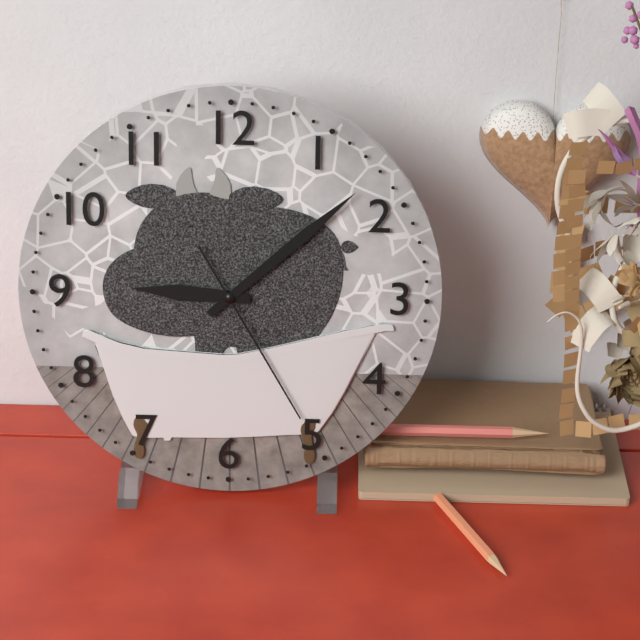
{"hour": 9, "minute": 8, "second": 25}
